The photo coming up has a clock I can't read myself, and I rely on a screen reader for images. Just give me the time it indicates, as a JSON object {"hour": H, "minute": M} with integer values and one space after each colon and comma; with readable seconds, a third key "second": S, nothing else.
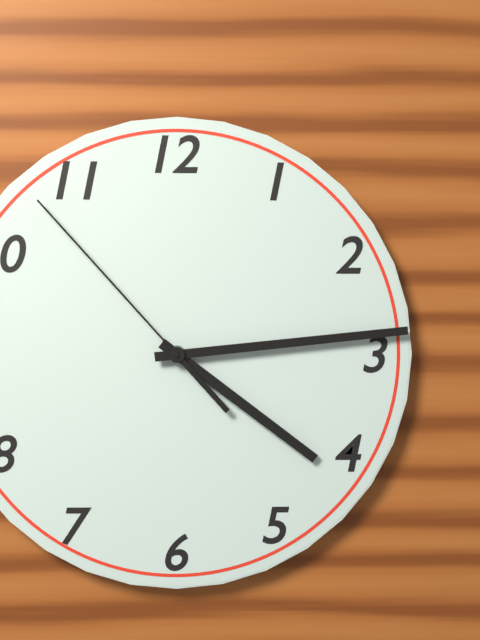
{"hour": 4, "minute": 14, "second": 53}
